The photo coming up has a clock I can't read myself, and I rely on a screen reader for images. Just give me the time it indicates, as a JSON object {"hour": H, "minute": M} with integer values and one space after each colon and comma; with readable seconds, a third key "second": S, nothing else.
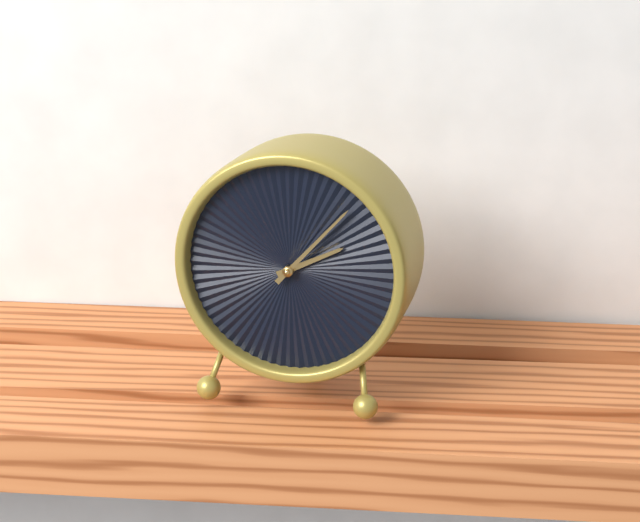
{"hour": 2, "minute": 7}
